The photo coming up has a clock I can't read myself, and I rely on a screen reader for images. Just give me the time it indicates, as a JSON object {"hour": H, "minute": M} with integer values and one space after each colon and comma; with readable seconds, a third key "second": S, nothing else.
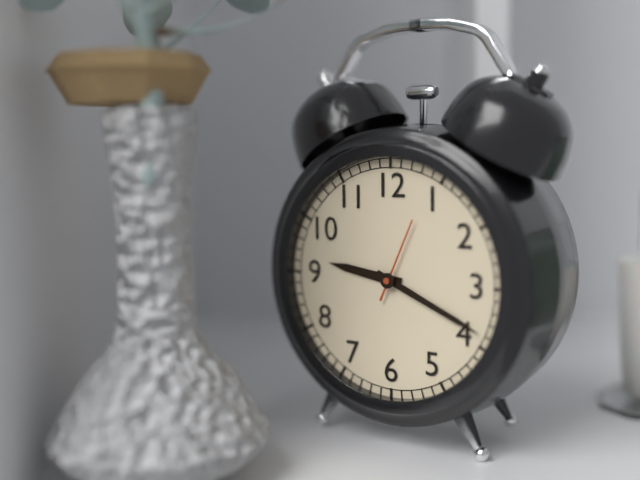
{"hour": 9, "minute": 19, "second": 4}
